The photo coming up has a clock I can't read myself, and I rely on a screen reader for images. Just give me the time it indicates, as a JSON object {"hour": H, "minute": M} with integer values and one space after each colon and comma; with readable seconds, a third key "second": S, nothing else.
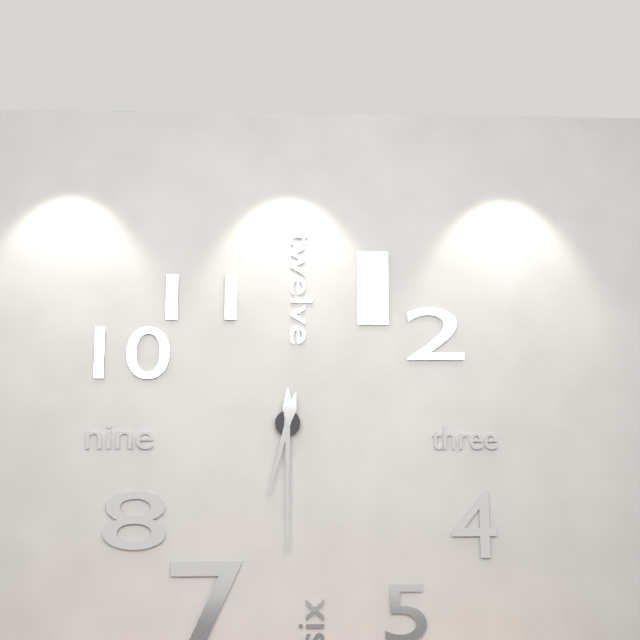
{"hour": 6, "minute": 30}
